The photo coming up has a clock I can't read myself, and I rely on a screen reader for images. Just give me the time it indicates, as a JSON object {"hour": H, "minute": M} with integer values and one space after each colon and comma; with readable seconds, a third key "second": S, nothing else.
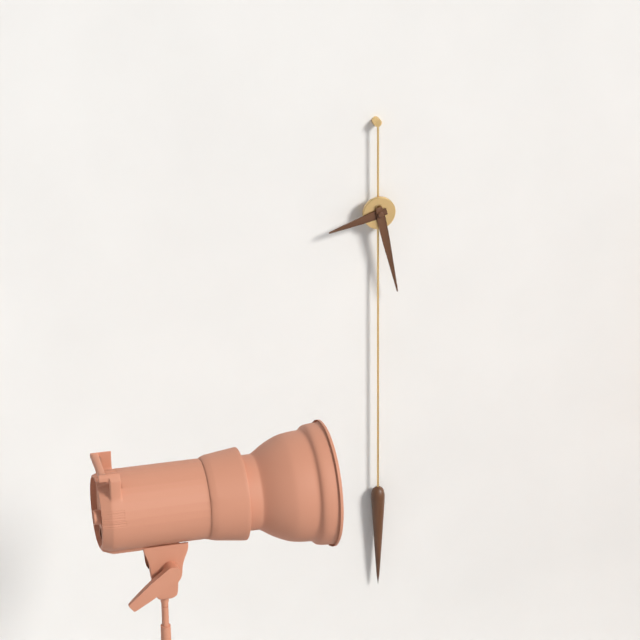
{"hour": 8, "minute": 28}
